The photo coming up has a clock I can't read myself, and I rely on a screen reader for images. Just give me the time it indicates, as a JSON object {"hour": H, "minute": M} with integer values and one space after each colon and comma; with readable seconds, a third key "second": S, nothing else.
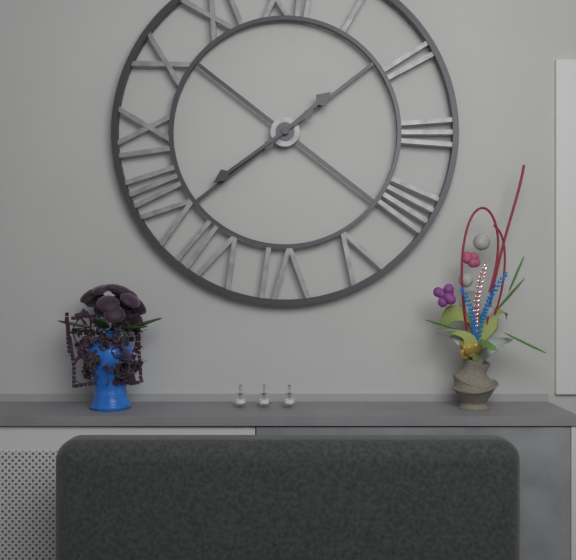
{"hour": 1, "minute": 39}
